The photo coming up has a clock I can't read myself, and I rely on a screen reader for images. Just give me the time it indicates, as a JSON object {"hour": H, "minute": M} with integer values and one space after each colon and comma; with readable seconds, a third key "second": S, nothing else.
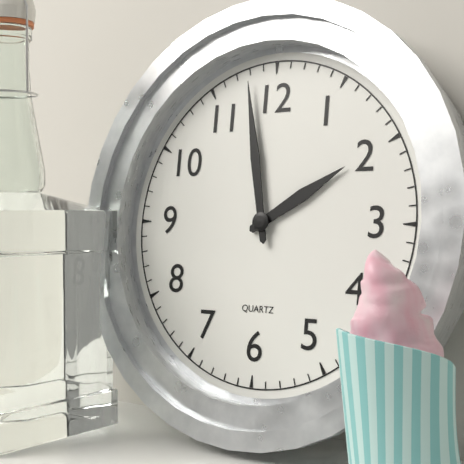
{"hour": 1, "minute": 58}
